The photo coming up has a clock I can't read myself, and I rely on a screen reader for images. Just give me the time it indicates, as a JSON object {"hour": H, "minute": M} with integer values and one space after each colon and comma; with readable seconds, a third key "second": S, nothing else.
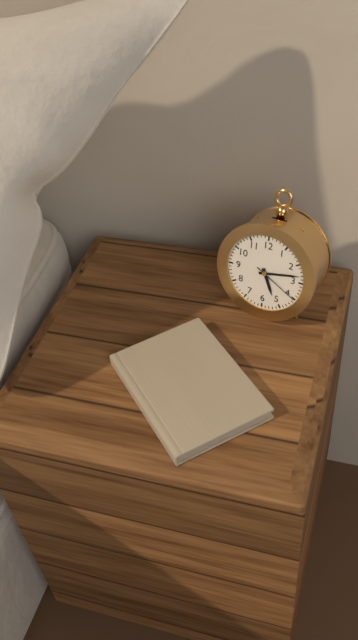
{"hour": 5, "minute": 13}
